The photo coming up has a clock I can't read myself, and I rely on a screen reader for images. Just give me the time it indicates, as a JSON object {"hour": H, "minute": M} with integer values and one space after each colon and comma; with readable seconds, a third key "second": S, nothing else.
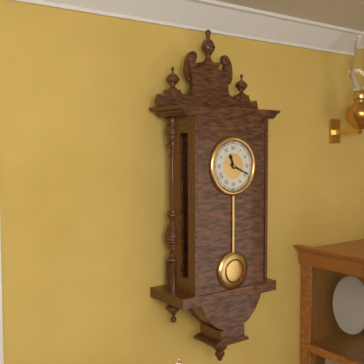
{"hour": 11, "minute": 19}
